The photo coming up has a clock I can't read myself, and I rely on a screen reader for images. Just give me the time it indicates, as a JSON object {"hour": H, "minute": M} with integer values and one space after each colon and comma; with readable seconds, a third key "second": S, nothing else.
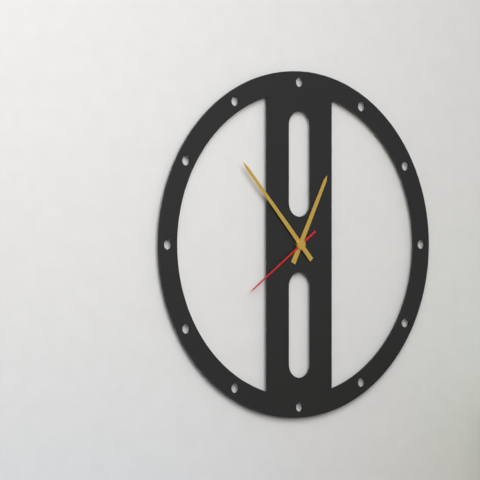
{"hour": 12, "minute": 53, "second": 39}
